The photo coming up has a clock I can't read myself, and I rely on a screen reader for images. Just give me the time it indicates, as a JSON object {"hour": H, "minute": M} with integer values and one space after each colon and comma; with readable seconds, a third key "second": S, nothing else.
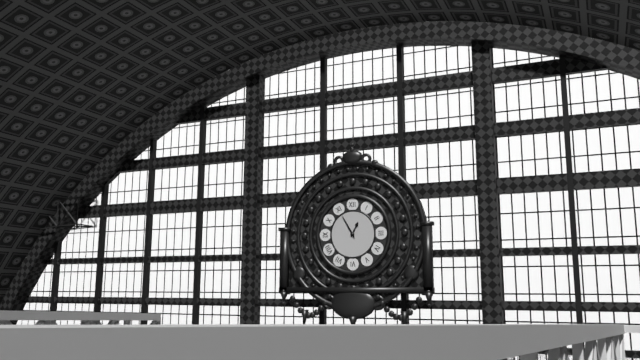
{"hour": 12, "minute": 55}
